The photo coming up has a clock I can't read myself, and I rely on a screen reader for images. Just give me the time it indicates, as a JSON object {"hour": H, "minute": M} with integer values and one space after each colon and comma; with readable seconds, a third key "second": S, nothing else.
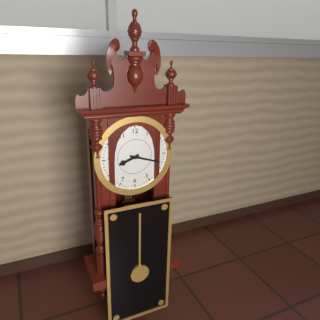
{"hour": 8, "minute": 18}
